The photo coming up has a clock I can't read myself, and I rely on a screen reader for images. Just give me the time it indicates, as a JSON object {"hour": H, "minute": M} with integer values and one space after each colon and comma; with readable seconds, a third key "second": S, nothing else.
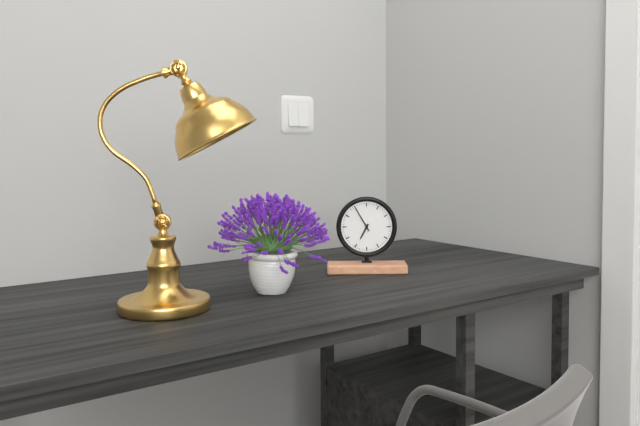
{"hour": 6, "minute": 55}
